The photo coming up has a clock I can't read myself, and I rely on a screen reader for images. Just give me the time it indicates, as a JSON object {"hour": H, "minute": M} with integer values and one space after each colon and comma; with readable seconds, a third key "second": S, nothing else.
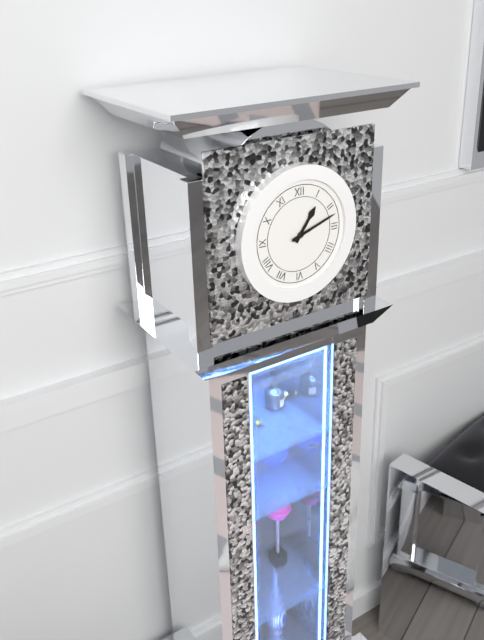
{"hour": 1, "minute": 12}
